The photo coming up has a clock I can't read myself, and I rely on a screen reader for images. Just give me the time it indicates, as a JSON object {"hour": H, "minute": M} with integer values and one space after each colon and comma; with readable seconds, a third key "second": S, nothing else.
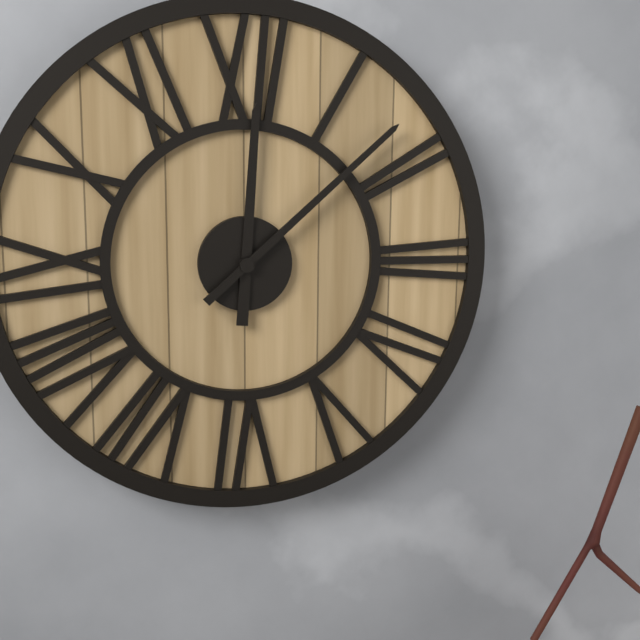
{"hour": 12, "minute": 8}
